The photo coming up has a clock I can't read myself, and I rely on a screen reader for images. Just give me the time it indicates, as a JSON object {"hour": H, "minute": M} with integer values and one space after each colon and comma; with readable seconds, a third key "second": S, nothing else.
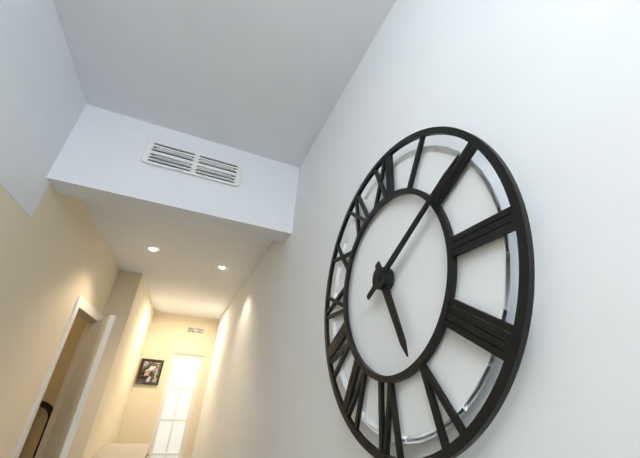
{"hour": 5, "minute": 10}
